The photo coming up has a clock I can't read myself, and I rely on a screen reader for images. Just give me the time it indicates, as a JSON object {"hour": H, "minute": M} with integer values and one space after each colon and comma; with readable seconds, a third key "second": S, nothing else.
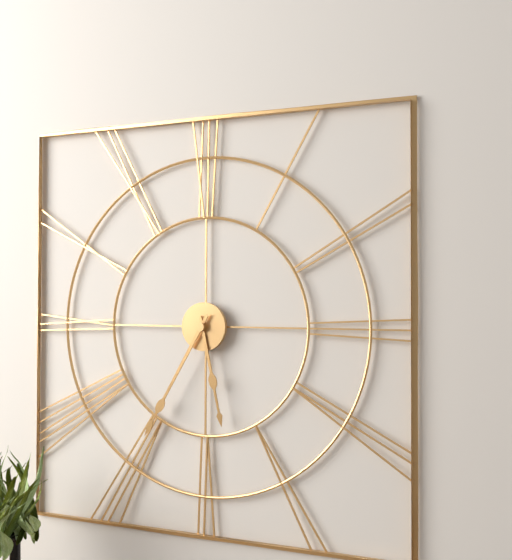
{"hour": 5, "minute": 35}
